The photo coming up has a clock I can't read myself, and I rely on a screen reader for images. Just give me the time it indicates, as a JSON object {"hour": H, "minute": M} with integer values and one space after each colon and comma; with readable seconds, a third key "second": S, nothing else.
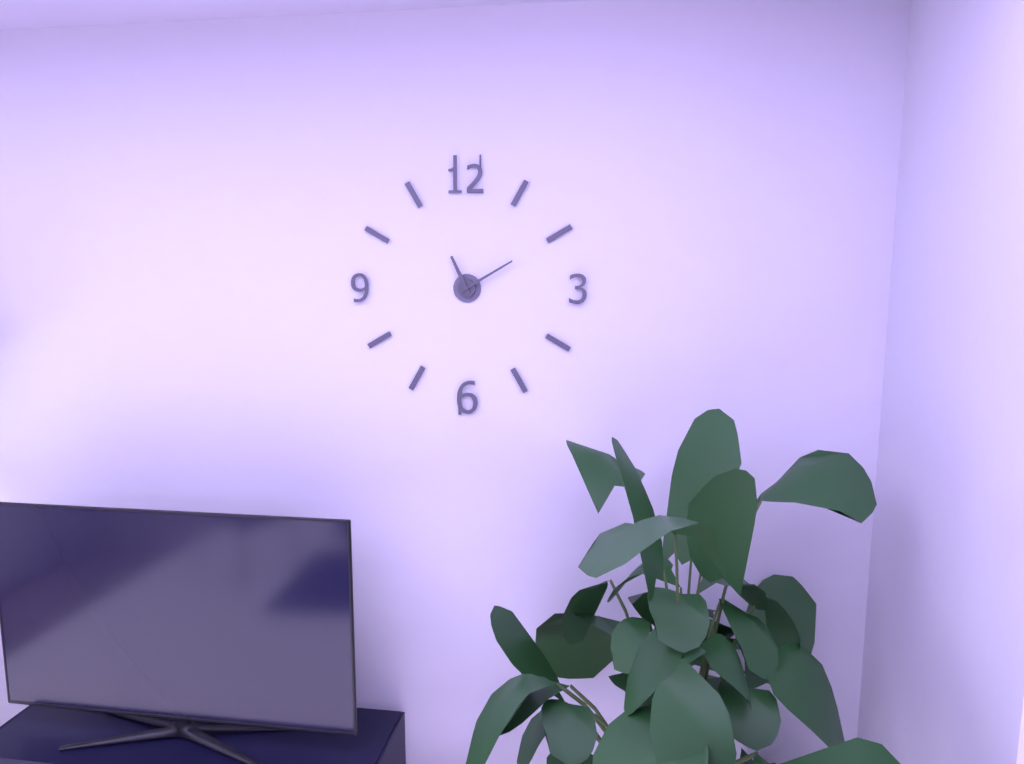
{"hour": 11, "minute": 10}
